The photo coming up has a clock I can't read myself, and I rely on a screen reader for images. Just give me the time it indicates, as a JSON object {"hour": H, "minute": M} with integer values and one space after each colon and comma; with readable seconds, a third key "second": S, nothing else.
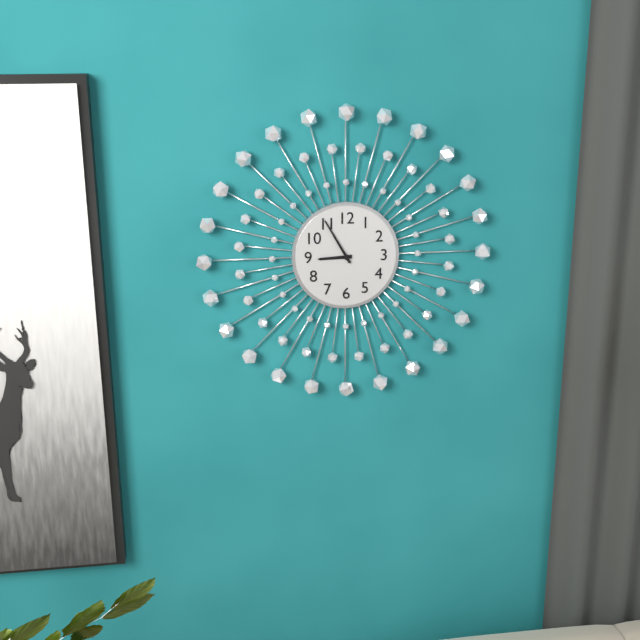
{"hour": 8, "minute": 55}
